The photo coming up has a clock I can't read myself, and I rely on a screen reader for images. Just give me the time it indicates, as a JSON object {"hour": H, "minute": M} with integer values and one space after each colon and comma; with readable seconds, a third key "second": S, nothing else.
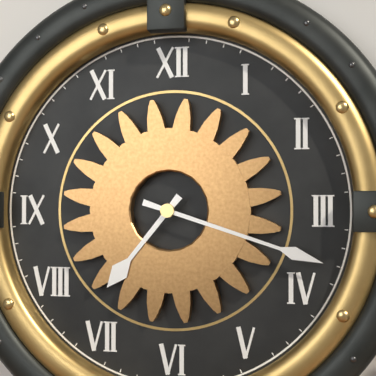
{"hour": 7, "minute": 18}
